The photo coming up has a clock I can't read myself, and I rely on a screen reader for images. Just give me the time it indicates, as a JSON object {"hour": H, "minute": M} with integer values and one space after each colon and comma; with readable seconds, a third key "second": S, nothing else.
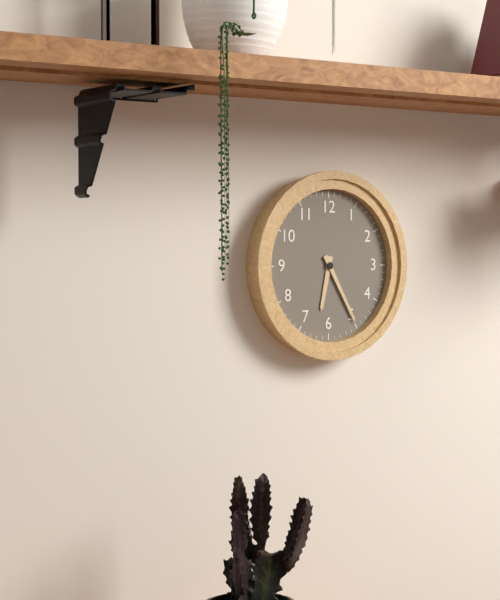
{"hour": 6, "minute": 25}
